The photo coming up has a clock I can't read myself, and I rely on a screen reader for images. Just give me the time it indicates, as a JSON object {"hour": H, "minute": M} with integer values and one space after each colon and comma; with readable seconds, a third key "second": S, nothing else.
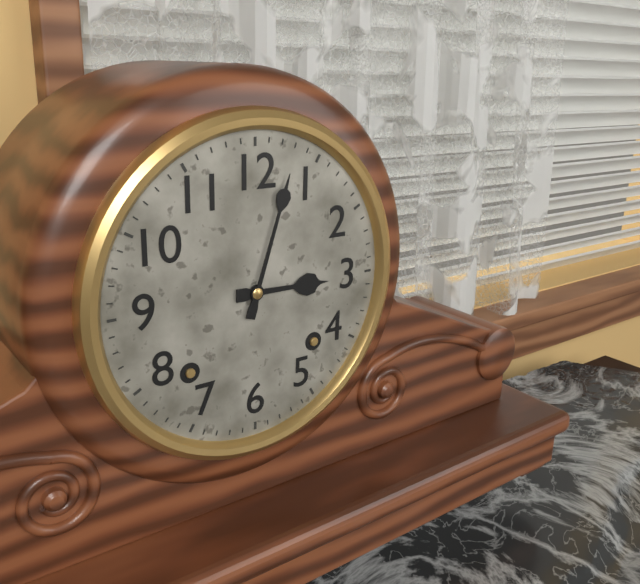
{"hour": 3, "minute": 3}
